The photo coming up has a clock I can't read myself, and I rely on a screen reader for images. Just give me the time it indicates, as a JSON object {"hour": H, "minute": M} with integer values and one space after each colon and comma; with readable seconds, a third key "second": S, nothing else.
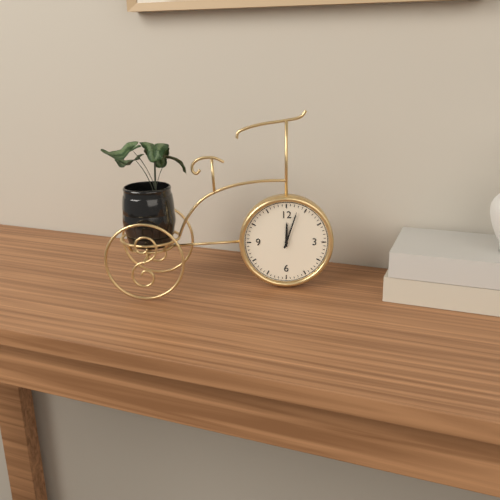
{"hour": 12, "minute": 3}
